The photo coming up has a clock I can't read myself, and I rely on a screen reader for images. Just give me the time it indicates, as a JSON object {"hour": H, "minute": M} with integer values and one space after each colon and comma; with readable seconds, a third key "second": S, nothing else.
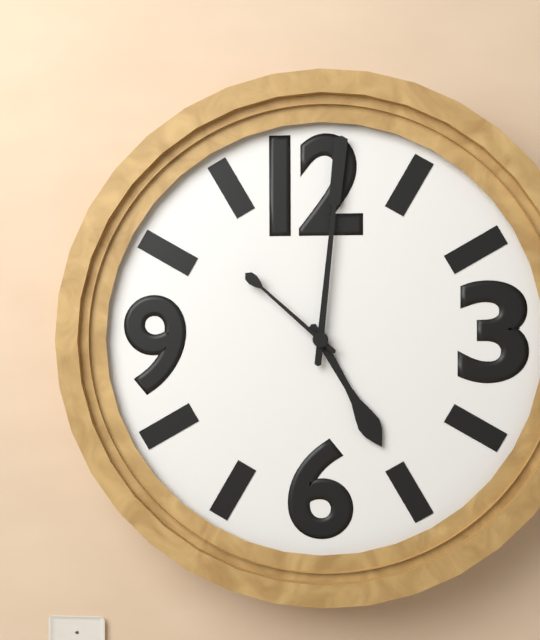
{"hour": 5, "minute": 1, "second": 52}
